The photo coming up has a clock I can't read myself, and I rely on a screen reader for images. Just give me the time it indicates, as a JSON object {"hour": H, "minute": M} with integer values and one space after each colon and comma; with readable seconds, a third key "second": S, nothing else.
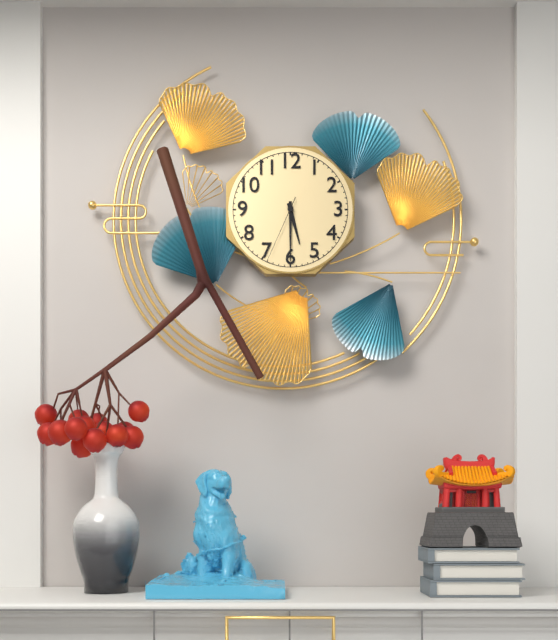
{"hour": 5, "minute": 30, "second": 34}
